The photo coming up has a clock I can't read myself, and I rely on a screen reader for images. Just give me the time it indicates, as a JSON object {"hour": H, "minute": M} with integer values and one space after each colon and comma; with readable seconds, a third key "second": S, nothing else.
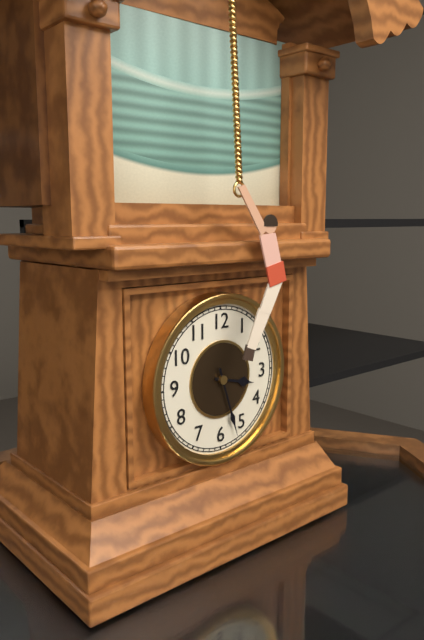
{"hour": 3, "minute": 27}
